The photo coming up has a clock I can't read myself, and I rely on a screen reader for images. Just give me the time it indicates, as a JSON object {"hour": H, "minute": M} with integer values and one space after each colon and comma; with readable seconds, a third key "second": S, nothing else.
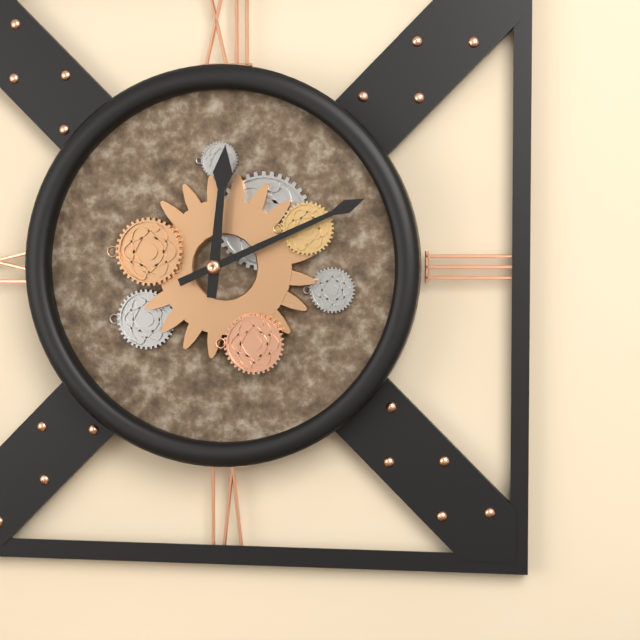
{"hour": 12, "minute": 11}
